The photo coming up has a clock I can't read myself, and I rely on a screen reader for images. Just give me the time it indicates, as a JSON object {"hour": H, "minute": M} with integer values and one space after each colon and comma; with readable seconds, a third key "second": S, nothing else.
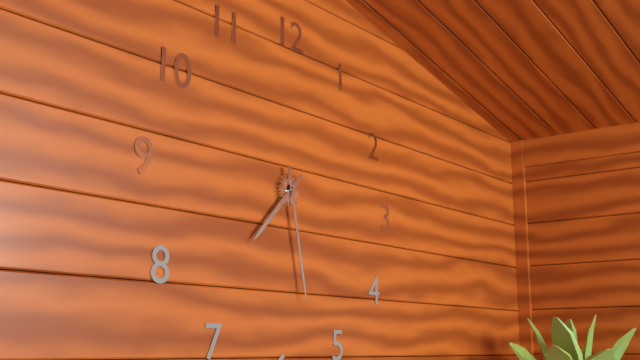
{"hour": 7, "minute": 28}
